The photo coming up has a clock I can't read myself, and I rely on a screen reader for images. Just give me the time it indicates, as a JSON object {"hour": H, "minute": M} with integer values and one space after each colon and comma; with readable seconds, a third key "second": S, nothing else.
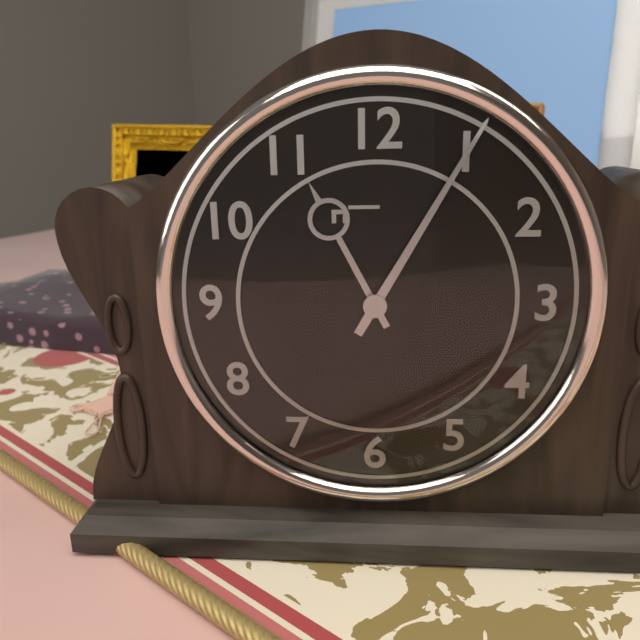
{"hour": 11, "minute": 5}
